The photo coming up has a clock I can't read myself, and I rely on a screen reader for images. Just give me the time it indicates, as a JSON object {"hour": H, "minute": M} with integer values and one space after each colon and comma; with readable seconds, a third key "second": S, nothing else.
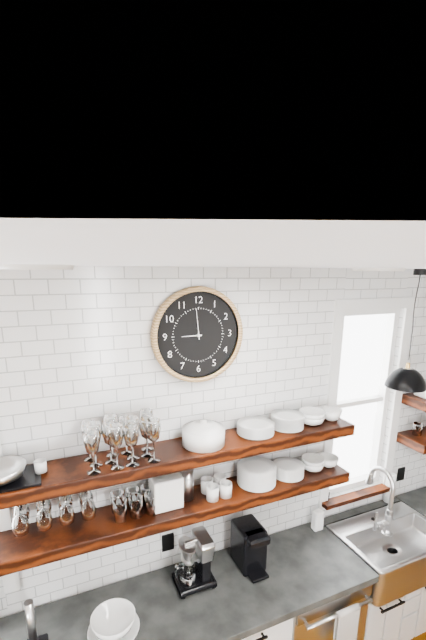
{"hour": 8, "minute": 59}
